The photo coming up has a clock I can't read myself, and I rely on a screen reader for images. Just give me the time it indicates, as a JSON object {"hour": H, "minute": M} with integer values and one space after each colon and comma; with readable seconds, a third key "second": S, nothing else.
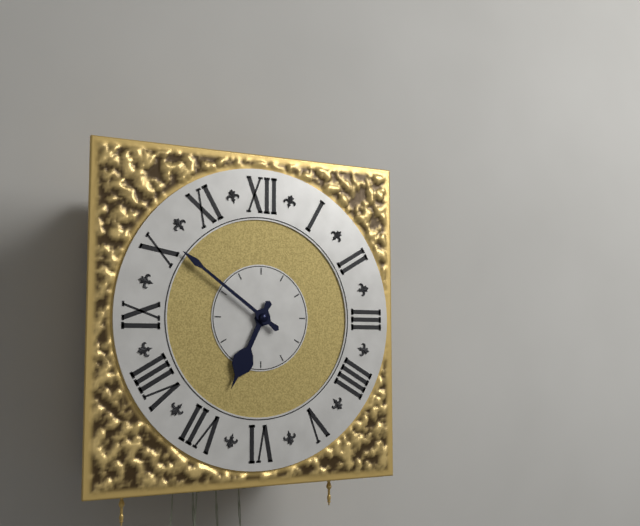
{"hour": 6, "minute": 51}
